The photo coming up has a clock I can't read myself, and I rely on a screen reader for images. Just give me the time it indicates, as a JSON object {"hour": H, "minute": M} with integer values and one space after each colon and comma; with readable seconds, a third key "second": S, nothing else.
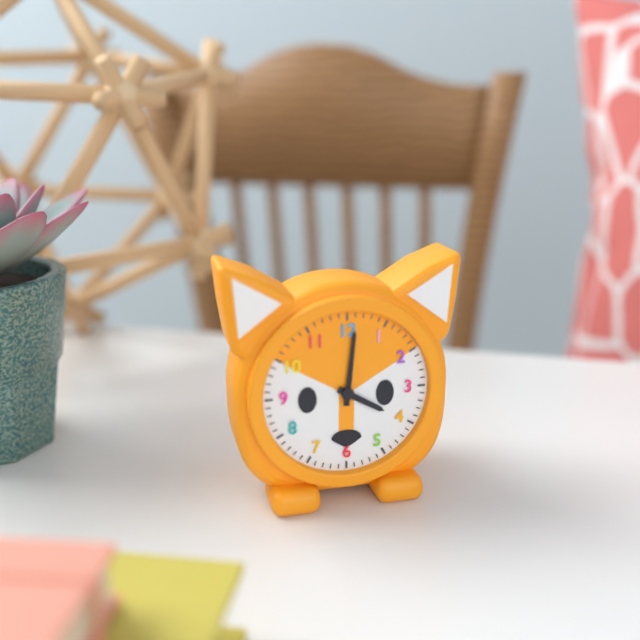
{"hour": 4, "minute": 1}
